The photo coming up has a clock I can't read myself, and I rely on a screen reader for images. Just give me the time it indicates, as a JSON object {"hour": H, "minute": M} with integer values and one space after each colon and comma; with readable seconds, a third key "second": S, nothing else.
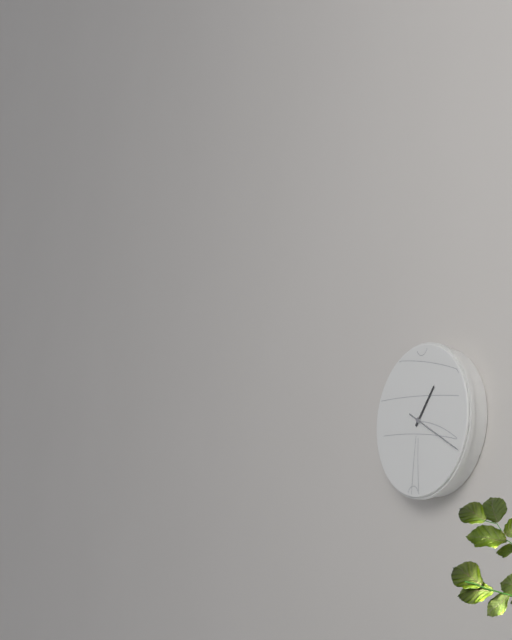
{"hour": 1, "minute": 20}
